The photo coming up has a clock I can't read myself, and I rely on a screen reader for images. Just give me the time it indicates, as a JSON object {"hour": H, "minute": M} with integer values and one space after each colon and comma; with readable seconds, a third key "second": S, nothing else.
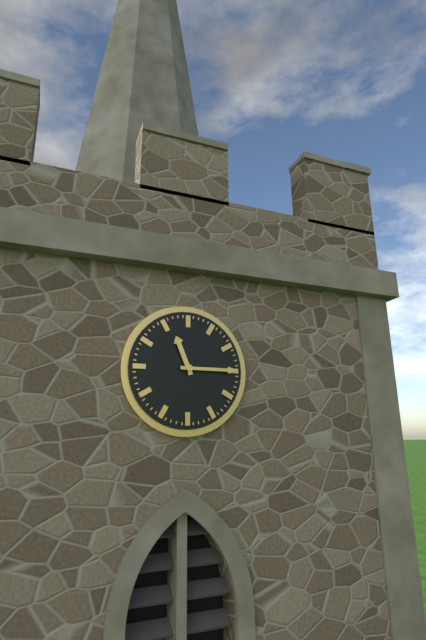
{"hour": 11, "minute": 15}
